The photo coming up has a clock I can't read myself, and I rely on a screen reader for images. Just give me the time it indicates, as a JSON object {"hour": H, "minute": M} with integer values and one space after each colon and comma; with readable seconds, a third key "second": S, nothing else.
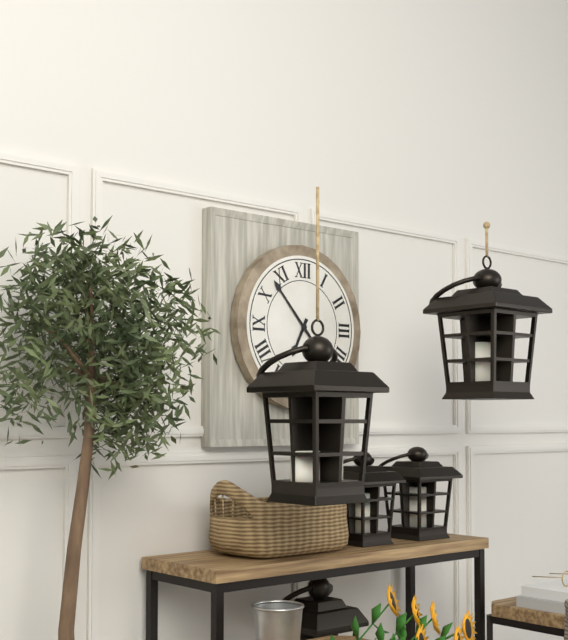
{"hour": 6, "minute": 53}
